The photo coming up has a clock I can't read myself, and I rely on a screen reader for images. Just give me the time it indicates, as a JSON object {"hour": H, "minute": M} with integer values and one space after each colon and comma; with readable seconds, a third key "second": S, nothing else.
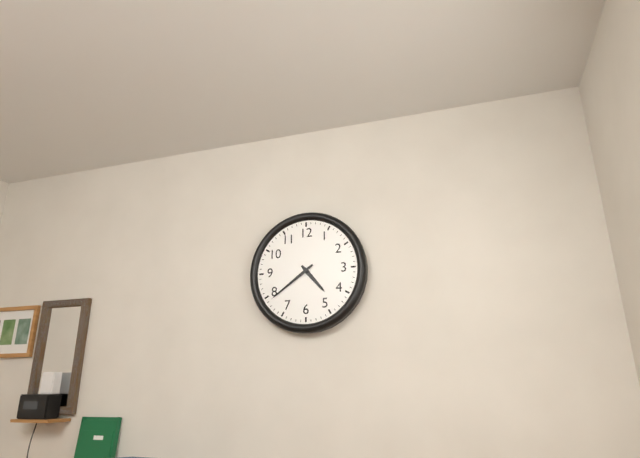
{"hour": 4, "minute": 39}
